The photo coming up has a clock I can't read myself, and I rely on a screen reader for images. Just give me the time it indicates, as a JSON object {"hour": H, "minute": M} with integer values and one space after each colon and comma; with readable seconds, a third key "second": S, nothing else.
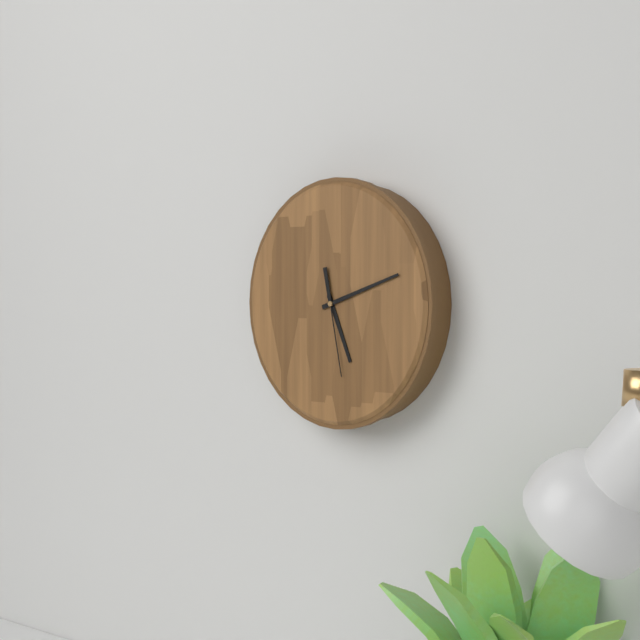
{"hour": 5, "minute": 12, "second": 28}
